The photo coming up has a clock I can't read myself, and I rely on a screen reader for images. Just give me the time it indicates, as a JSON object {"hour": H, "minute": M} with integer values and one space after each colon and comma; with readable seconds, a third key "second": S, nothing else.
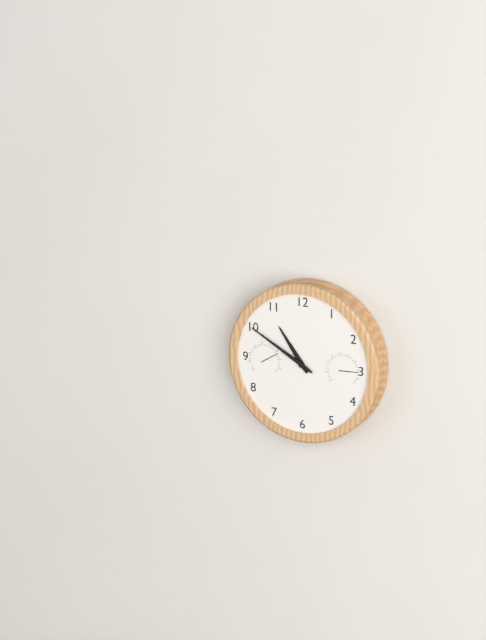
{"hour": 10, "minute": 50}
